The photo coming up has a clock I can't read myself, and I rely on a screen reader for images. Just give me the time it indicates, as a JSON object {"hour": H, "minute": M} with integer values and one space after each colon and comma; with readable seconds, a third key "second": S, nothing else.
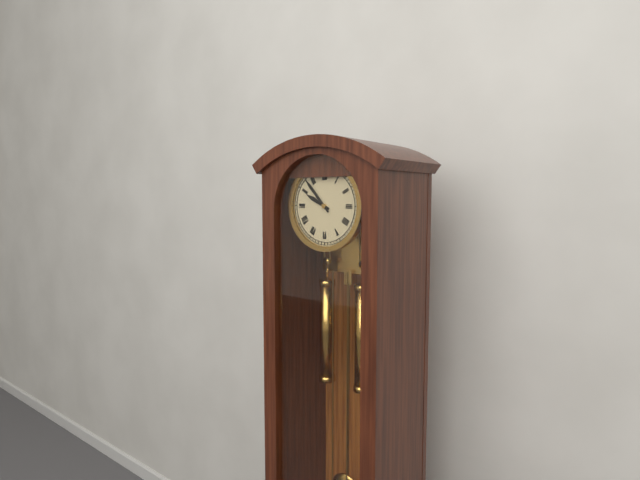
{"hour": 9, "minute": 53}
